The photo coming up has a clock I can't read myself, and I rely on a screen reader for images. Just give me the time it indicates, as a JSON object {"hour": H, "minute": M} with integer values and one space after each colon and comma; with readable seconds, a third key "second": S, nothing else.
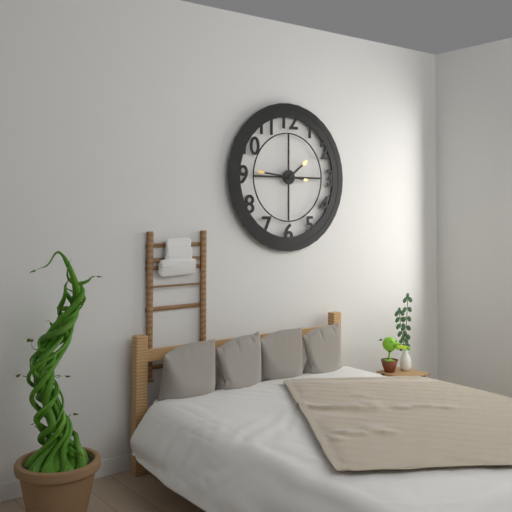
{"hour": 1, "minute": 46}
